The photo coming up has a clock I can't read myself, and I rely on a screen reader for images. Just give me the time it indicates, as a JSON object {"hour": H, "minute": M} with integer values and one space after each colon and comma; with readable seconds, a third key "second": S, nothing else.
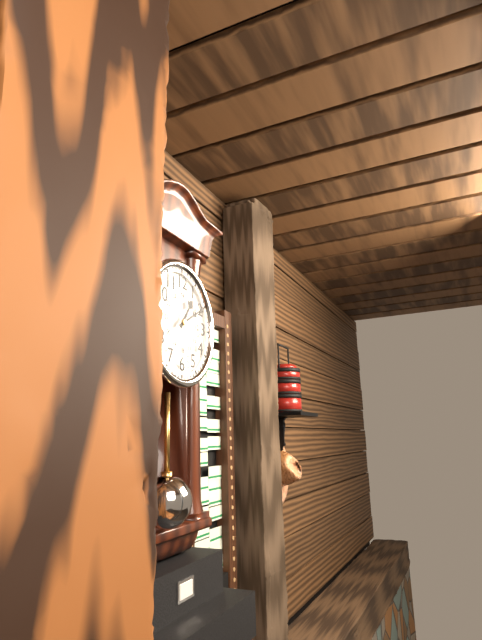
{"hour": 1, "minute": 10}
